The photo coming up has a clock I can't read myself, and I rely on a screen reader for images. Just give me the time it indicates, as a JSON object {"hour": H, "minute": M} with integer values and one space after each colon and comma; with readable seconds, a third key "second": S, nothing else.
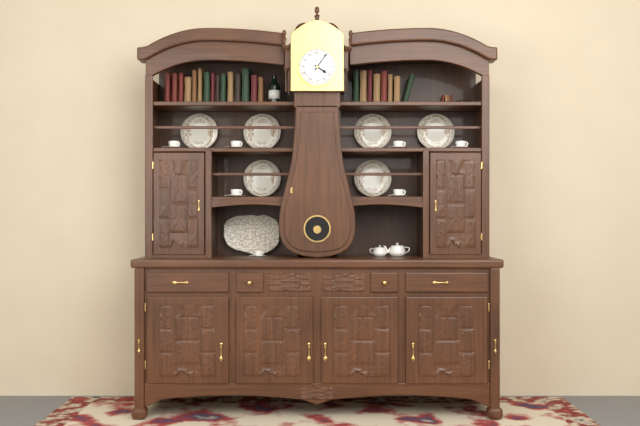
{"hour": 4, "minute": 6}
